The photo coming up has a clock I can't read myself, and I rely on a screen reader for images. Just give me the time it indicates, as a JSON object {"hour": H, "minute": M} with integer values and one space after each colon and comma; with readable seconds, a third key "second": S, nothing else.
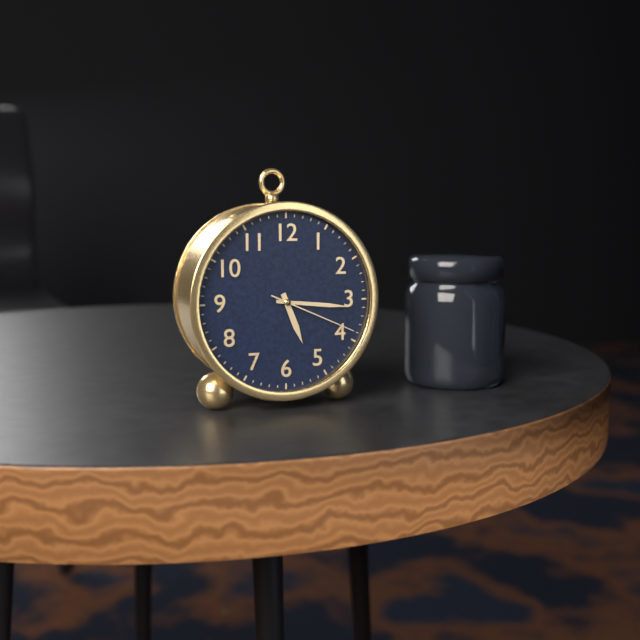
{"hour": 5, "minute": 16, "second": 19}
